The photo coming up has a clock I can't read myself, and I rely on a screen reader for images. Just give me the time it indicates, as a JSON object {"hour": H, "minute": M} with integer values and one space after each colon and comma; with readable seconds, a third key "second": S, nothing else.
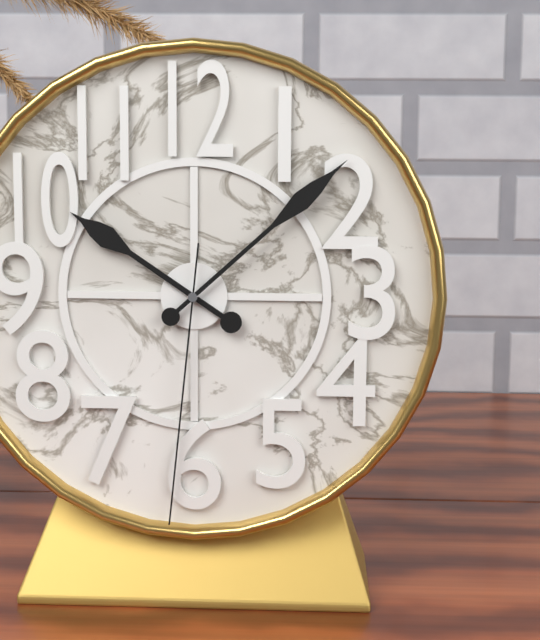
{"hour": 10, "minute": 8, "second": 31}
